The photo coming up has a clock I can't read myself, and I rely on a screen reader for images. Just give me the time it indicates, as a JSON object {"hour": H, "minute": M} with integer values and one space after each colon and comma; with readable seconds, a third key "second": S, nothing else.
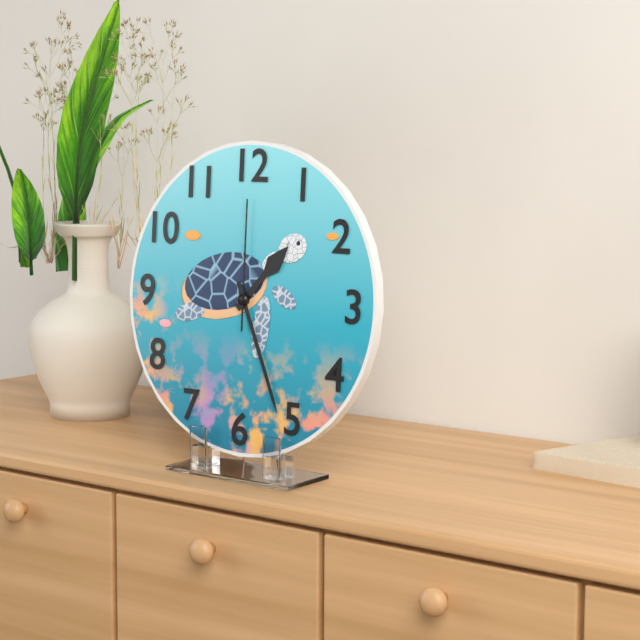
{"hour": 1, "minute": 26, "second": 0}
